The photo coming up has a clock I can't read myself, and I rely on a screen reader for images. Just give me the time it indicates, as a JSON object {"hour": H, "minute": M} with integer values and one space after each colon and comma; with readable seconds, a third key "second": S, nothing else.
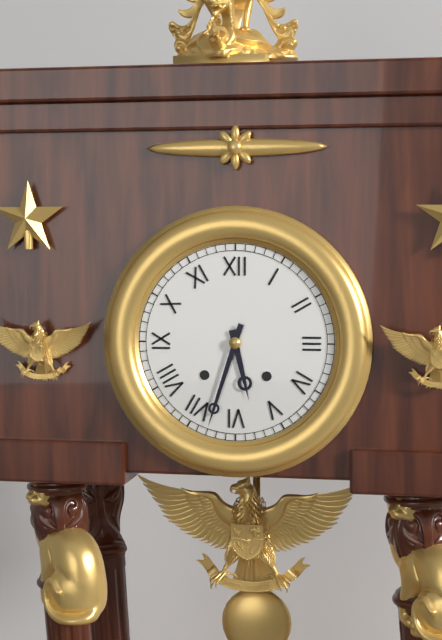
{"hour": 5, "minute": 33}
